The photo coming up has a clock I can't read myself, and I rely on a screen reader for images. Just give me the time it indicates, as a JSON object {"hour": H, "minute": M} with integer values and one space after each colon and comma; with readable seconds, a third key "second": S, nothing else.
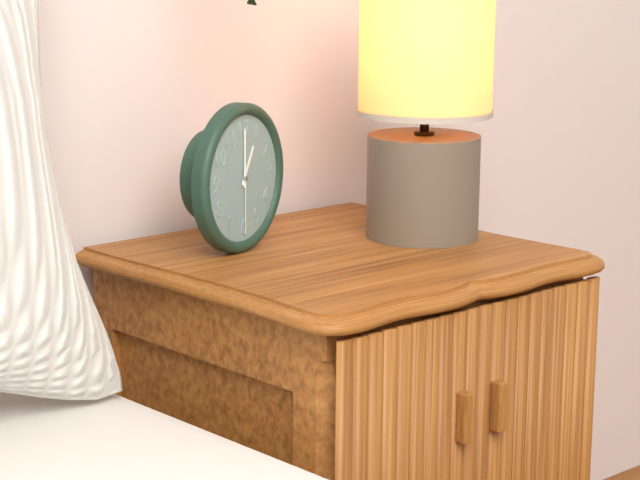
{"hour": 1, "minute": 0, "second": 30}
